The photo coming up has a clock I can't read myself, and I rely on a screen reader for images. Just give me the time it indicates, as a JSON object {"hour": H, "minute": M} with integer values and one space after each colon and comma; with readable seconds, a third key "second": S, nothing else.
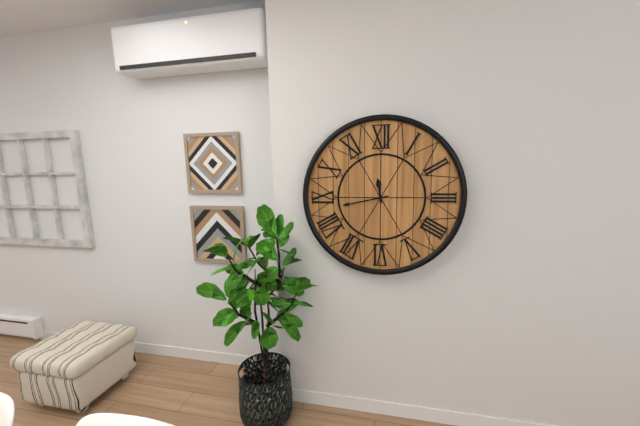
{"hour": 11, "minute": 43}
